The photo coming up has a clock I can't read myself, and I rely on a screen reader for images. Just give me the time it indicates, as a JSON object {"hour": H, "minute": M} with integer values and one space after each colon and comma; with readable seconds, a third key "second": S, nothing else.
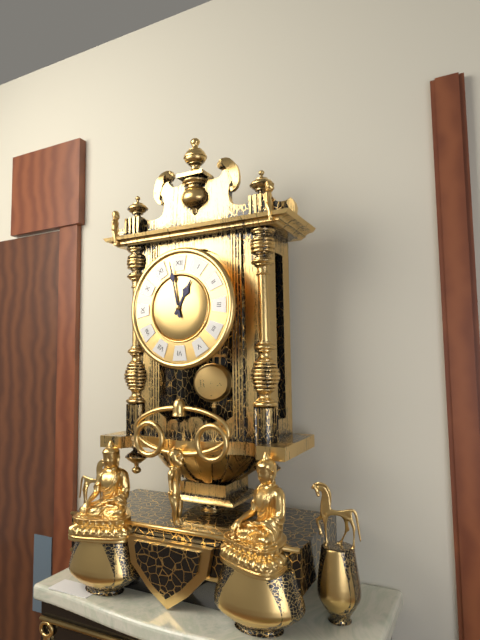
{"hour": 12, "minute": 58}
